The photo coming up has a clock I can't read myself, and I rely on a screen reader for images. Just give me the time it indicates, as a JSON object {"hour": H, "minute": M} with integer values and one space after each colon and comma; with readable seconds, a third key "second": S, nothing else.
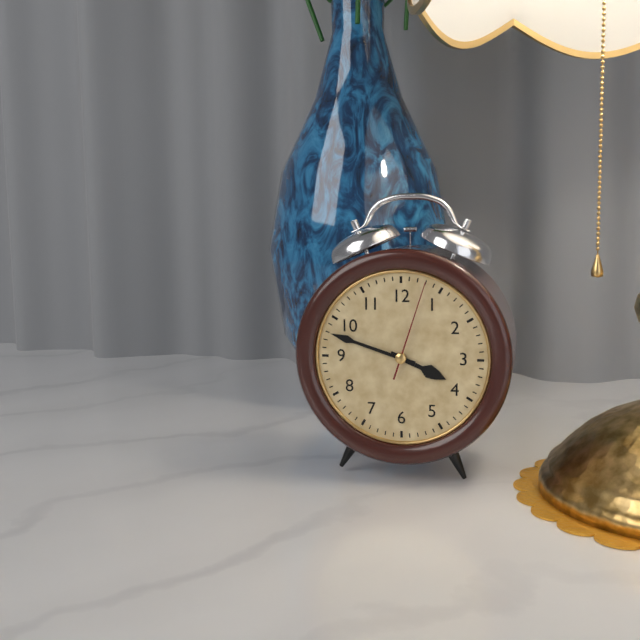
{"hour": 3, "minute": 48, "second": 3}
